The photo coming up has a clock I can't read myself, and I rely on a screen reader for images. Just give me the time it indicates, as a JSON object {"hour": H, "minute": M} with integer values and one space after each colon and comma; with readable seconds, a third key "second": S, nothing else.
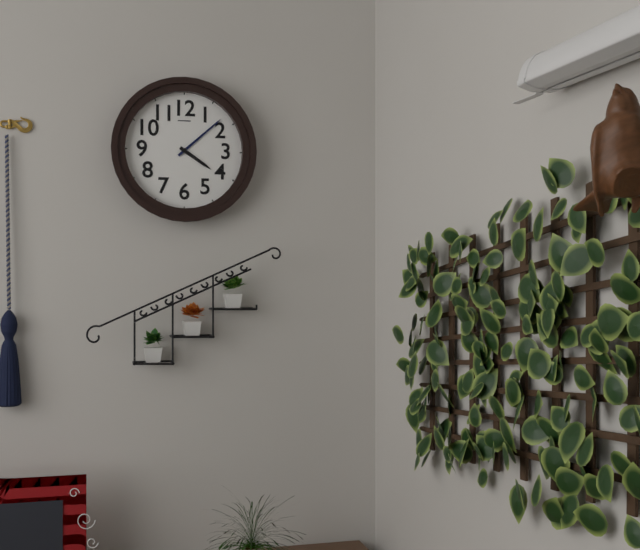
{"hour": 4, "minute": 8}
